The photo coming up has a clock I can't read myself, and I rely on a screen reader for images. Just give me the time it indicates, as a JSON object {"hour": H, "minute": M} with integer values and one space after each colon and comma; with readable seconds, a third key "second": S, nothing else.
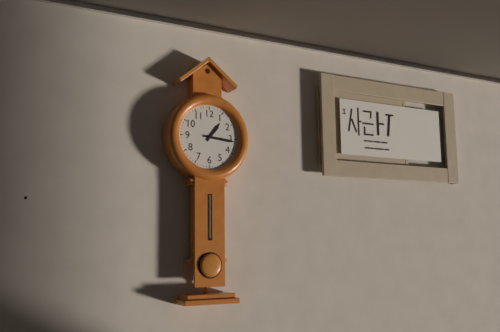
{"hour": 1, "minute": 16}
